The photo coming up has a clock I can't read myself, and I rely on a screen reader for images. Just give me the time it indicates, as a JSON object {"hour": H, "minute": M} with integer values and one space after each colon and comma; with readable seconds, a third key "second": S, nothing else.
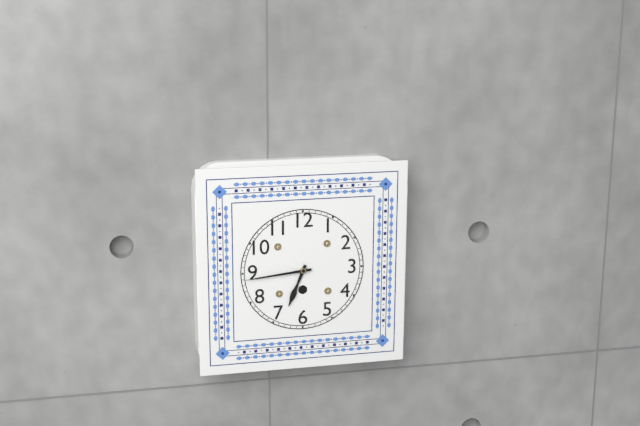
{"hour": 6, "minute": 44}
